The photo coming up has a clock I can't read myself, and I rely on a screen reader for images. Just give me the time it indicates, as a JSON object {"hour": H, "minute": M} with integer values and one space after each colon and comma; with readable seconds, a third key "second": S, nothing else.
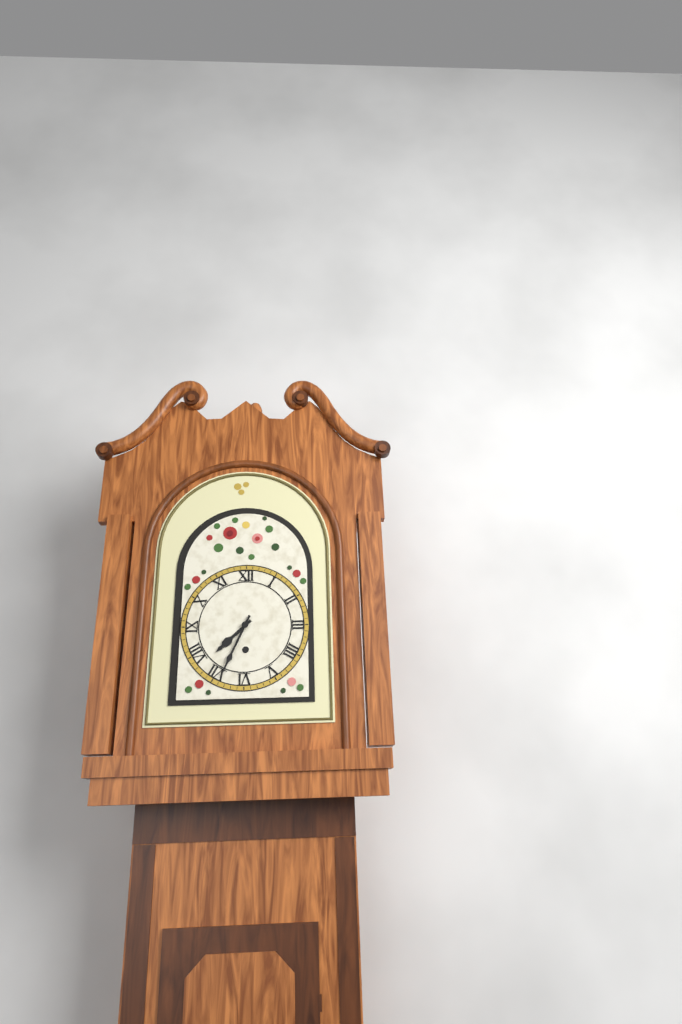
{"hour": 7, "minute": 34}
